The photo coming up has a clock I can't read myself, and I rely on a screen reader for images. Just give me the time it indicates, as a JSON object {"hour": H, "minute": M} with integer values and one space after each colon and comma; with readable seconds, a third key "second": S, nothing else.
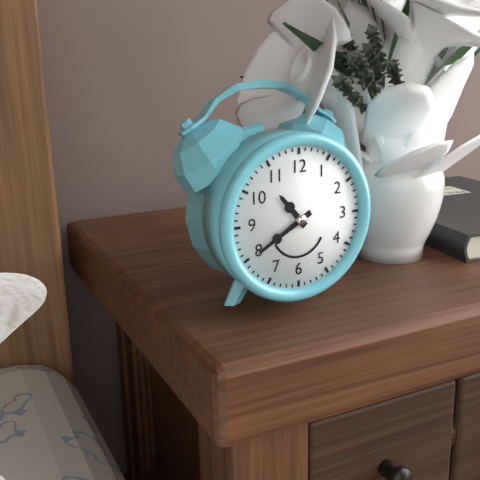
{"hour": 10, "minute": 40}
